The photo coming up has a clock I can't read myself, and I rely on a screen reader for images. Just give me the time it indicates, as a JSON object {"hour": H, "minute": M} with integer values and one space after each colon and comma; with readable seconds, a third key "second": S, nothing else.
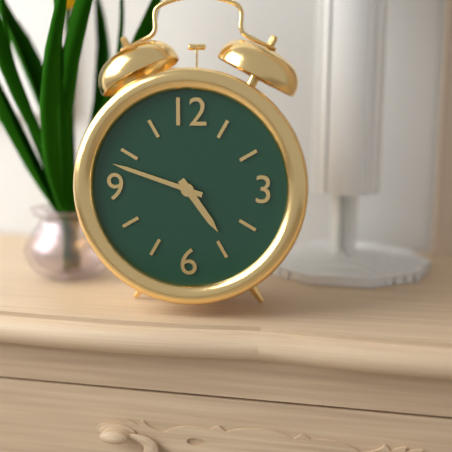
{"hour": 4, "minute": 48}
